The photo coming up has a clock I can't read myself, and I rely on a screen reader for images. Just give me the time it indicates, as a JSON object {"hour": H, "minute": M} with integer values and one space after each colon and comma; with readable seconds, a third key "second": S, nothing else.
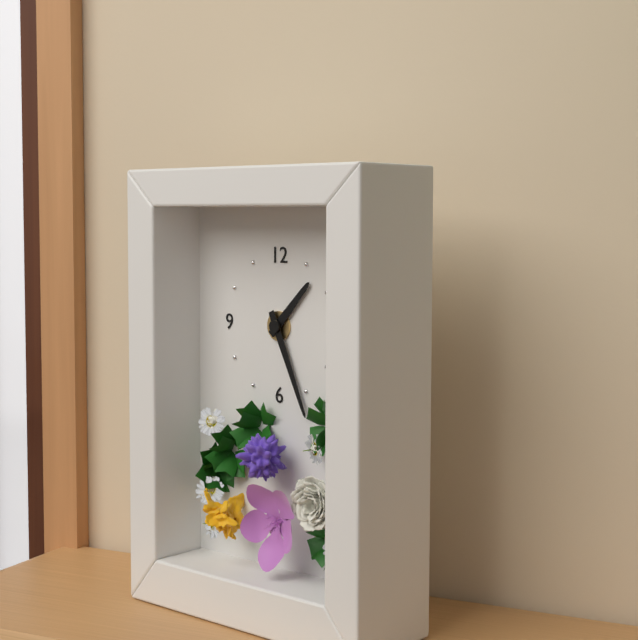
{"hour": 1, "minute": 26}
